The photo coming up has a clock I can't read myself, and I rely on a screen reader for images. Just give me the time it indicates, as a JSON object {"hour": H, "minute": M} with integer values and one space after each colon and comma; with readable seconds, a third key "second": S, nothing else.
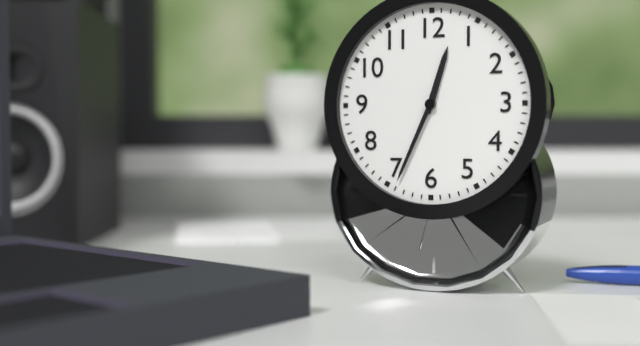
{"hour": 12, "minute": 34}
